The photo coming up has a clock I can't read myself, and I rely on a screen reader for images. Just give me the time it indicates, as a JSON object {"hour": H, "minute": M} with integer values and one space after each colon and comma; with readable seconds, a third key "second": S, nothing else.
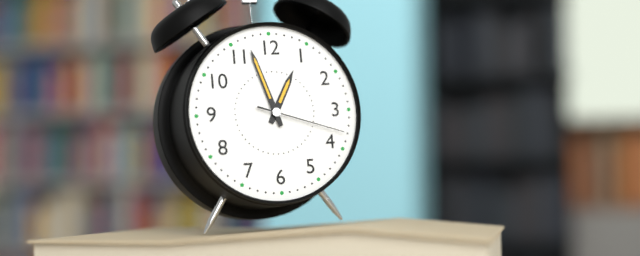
{"hour": 12, "minute": 57, "second": 18}
